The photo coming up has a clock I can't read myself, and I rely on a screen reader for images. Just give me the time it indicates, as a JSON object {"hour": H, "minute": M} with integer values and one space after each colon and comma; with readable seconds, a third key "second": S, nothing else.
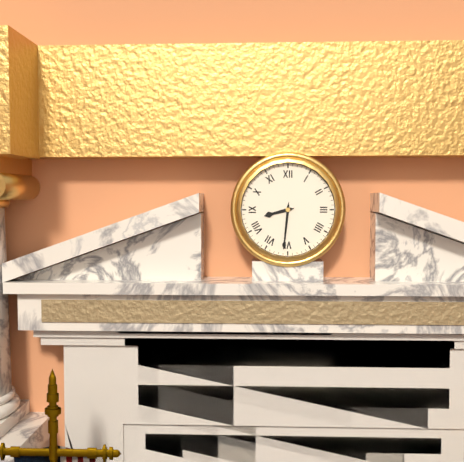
{"hour": 8, "minute": 31}
